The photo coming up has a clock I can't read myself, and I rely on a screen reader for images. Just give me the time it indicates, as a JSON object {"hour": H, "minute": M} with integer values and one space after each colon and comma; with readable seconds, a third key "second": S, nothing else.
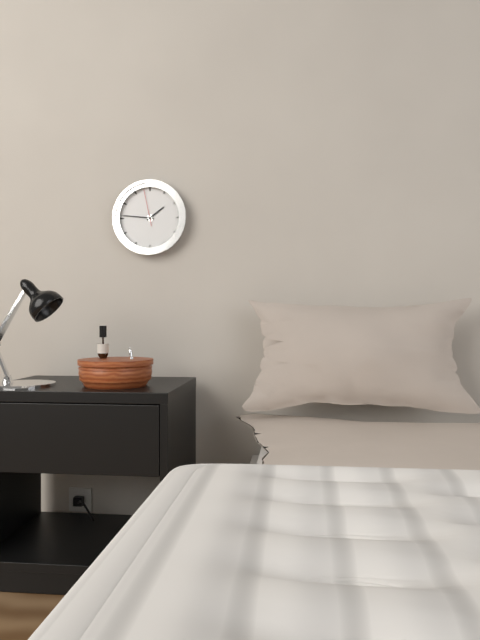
{"hour": 1, "minute": 46}
